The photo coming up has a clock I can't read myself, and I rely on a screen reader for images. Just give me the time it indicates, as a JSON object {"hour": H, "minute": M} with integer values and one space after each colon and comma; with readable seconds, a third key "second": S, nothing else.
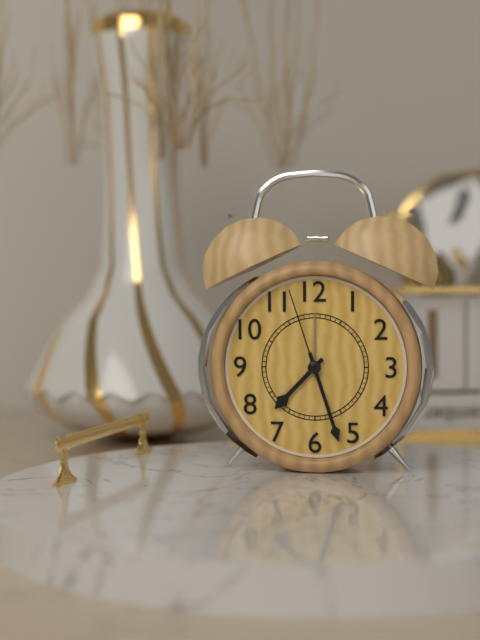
{"hour": 7, "minute": 27, "second": 57}
